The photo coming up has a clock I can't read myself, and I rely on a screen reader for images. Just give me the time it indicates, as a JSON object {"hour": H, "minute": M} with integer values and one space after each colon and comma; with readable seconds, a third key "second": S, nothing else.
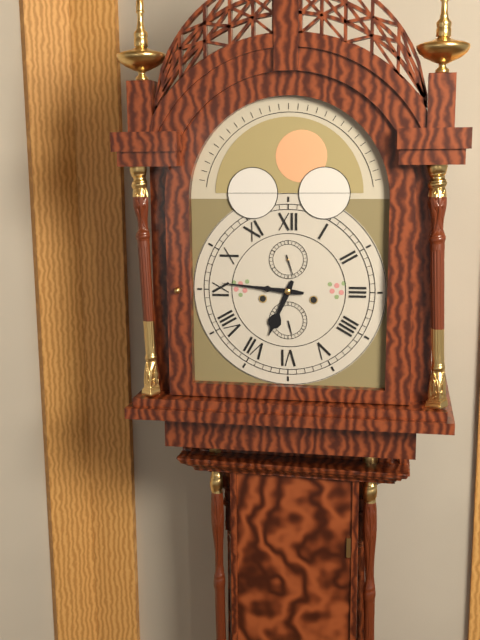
{"hour": 6, "minute": 46}
